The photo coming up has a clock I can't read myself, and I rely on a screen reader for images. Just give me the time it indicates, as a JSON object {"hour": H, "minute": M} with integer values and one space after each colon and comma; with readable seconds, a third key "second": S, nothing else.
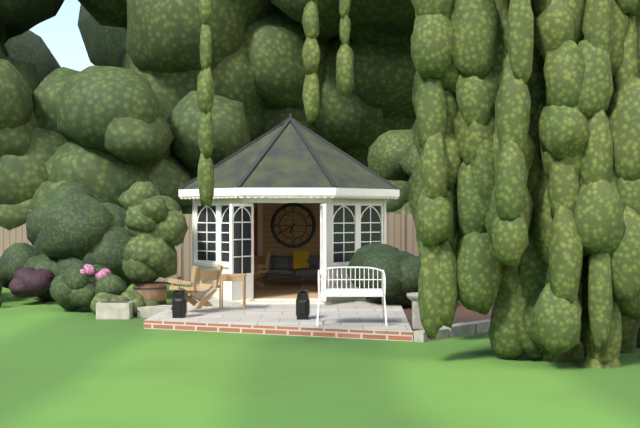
{"hour": 6, "minute": 40}
